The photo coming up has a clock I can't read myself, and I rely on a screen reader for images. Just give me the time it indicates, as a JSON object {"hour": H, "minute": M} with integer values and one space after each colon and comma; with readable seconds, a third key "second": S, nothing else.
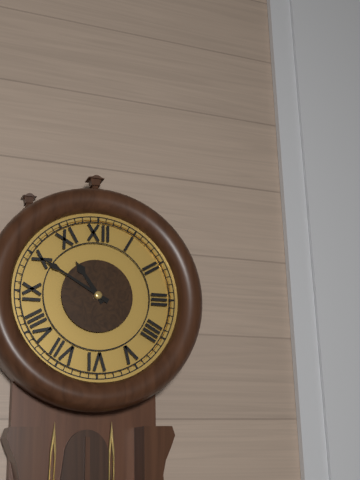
{"hour": 10, "minute": 50}
